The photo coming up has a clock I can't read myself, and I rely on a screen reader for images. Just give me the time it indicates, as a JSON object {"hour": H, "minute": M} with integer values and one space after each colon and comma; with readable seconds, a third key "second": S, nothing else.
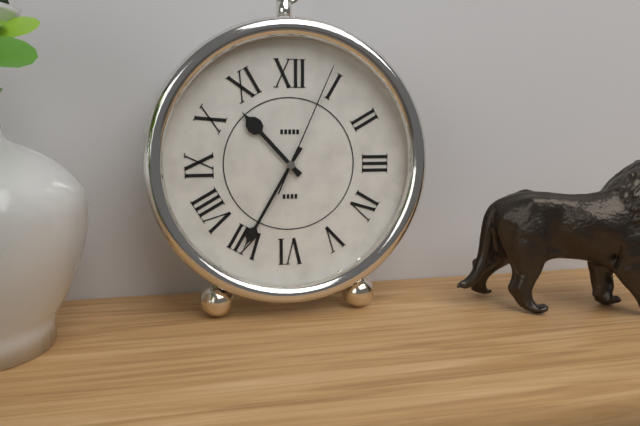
{"hour": 10, "minute": 35, "second": 4}
